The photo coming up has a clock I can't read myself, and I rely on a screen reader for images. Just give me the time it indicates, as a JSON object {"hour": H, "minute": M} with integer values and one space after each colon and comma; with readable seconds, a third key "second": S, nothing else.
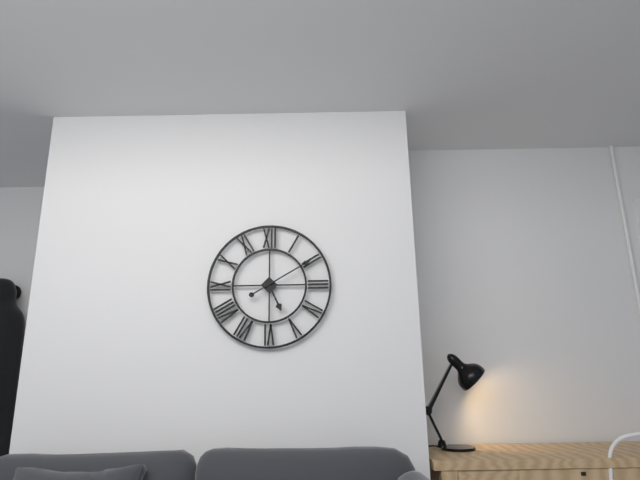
{"hour": 5, "minute": 10}
